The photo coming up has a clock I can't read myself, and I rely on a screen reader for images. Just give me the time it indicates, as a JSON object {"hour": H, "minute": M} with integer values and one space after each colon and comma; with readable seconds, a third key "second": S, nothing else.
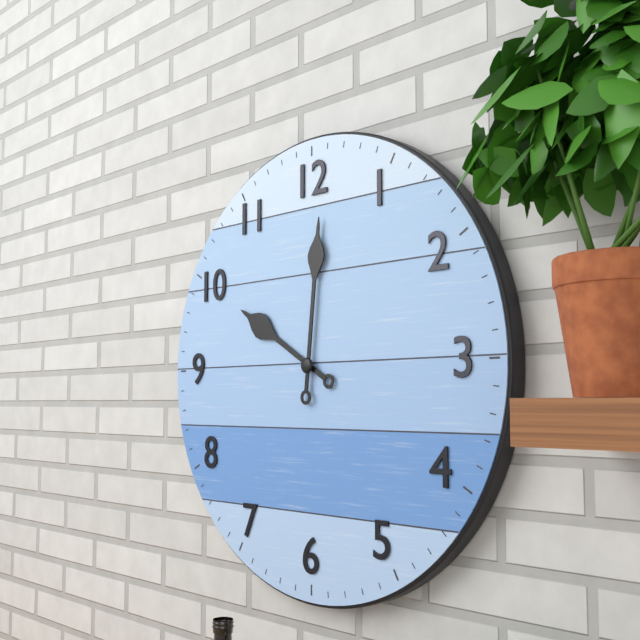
{"hour": 10, "minute": 1}
